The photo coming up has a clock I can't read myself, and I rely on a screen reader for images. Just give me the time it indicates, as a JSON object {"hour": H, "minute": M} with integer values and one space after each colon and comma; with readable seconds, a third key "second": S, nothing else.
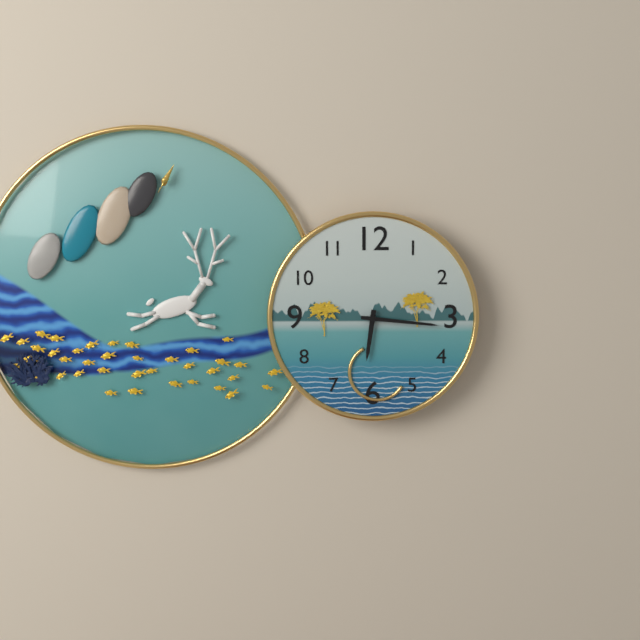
{"hour": 6, "minute": 16}
